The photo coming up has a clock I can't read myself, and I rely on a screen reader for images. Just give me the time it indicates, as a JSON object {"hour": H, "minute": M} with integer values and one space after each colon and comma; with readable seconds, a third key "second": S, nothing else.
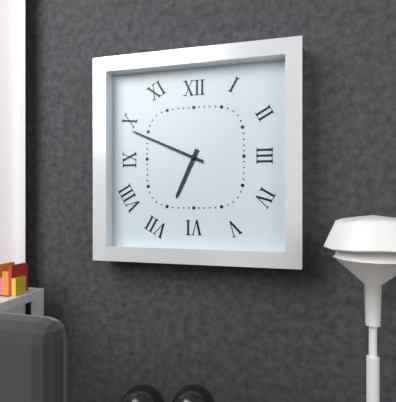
{"hour": 6, "minute": 49}
